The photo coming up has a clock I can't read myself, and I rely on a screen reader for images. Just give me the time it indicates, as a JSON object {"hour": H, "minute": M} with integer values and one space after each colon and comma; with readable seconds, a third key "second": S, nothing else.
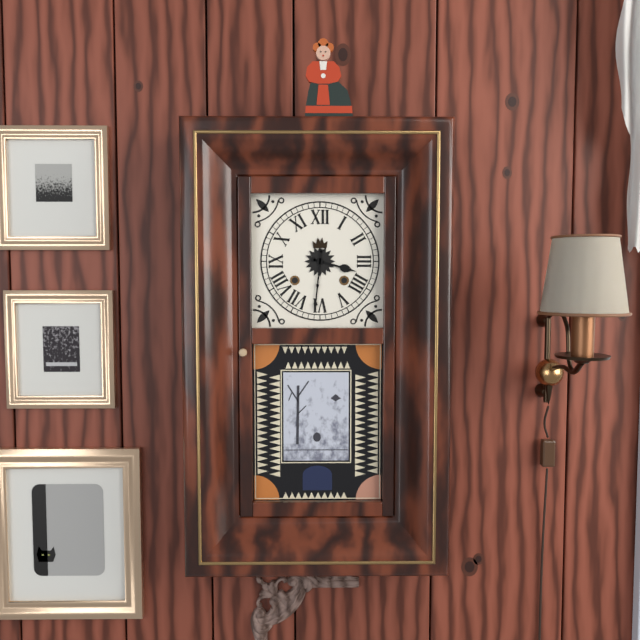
{"hour": 3, "minute": 31}
